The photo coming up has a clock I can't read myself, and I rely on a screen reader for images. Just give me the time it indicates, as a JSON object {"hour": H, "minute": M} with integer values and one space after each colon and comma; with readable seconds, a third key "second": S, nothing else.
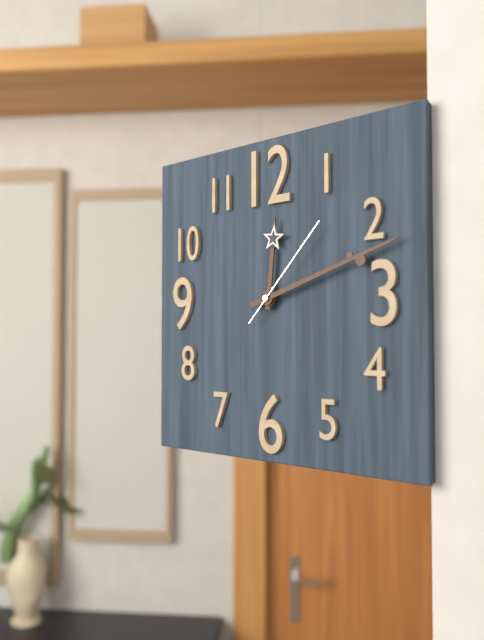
{"hour": 12, "minute": 12, "second": 7}
